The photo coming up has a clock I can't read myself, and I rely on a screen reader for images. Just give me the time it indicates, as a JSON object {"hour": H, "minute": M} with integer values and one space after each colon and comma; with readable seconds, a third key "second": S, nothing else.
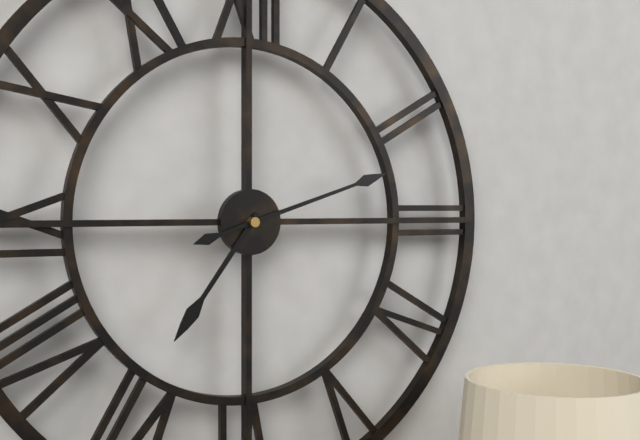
{"hour": 7, "minute": 12}
